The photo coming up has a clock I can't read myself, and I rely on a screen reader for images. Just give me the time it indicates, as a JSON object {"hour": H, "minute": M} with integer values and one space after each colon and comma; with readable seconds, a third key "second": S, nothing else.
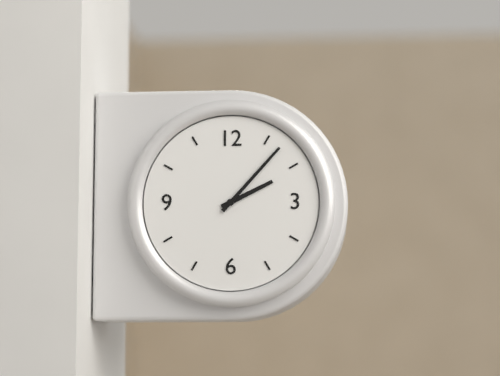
{"hour": 2, "minute": 7}
